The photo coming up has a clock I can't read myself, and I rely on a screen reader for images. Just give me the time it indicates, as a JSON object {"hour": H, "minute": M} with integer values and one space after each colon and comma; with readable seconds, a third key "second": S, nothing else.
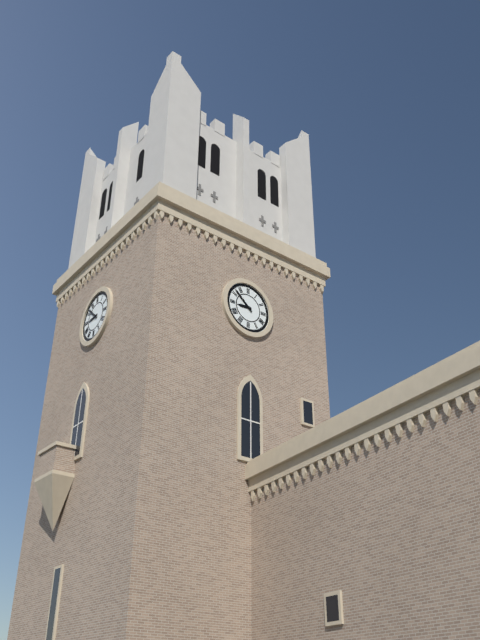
{"hour": 8, "minute": 52}
